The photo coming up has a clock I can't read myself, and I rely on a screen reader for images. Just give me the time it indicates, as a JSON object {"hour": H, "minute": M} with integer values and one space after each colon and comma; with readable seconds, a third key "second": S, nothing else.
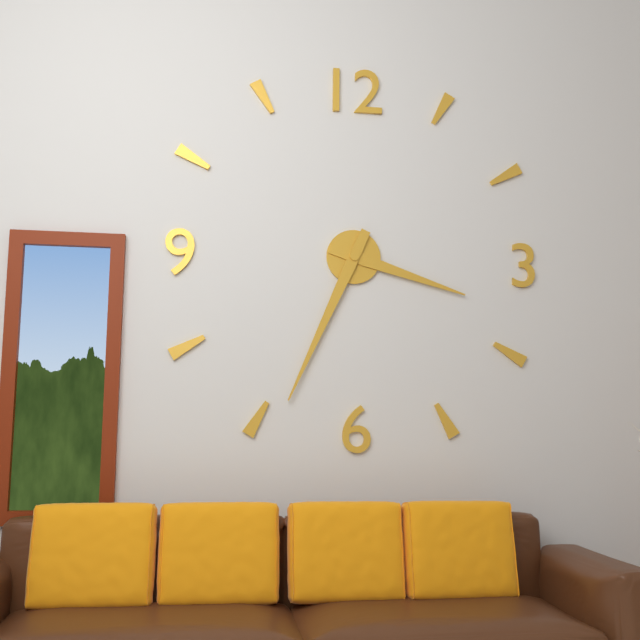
{"hour": 3, "minute": 34}
